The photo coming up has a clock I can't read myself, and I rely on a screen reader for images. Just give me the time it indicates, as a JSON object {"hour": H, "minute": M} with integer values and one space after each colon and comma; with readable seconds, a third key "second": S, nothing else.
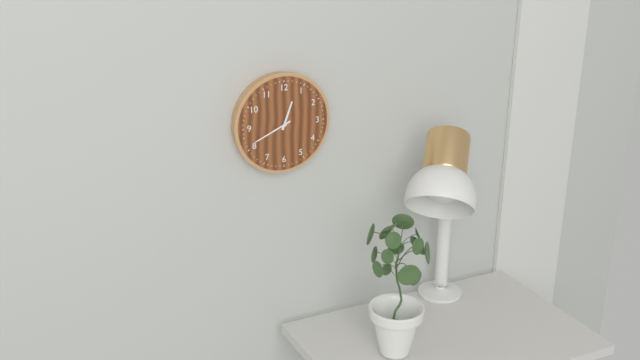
{"hour": 12, "minute": 41}
